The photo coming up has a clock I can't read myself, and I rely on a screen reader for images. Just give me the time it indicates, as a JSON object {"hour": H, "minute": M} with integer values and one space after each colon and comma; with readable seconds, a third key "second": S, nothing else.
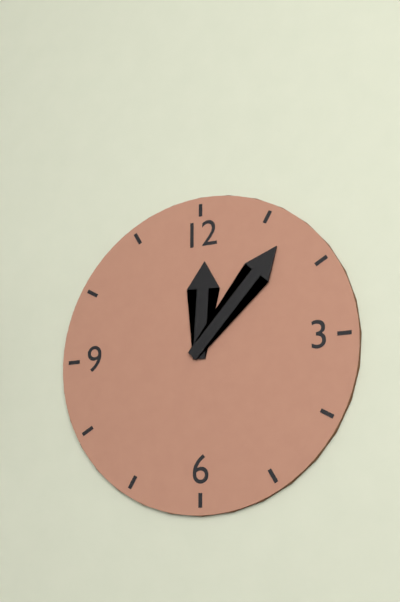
{"hour": 12, "minute": 7}
